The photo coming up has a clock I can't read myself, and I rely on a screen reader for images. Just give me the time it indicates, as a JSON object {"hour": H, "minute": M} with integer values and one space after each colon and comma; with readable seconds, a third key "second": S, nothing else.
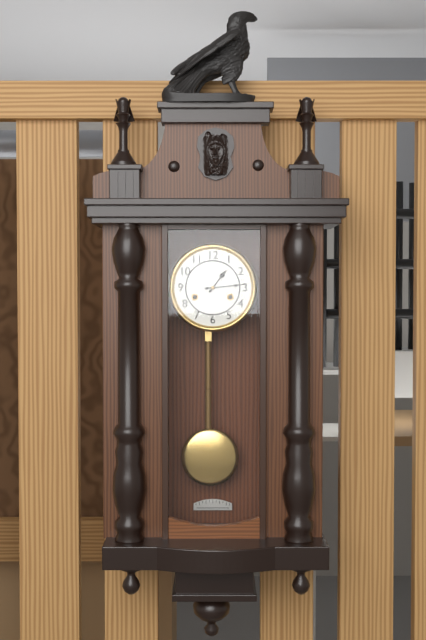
{"hour": 1, "minute": 14}
